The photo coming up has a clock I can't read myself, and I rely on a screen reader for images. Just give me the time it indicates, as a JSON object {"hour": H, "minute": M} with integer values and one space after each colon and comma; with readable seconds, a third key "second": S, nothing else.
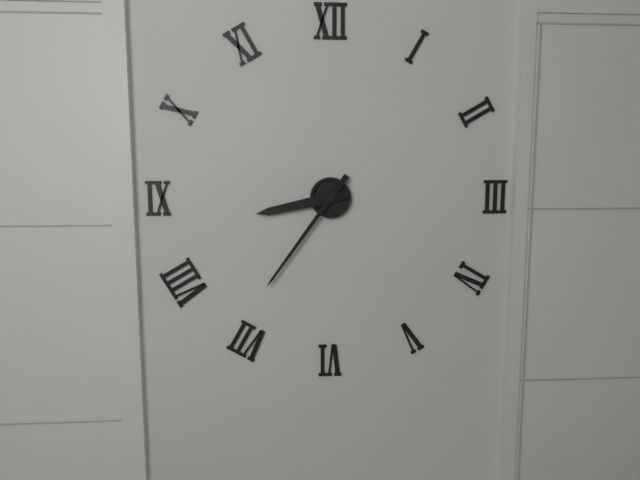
{"hour": 8, "minute": 36}
